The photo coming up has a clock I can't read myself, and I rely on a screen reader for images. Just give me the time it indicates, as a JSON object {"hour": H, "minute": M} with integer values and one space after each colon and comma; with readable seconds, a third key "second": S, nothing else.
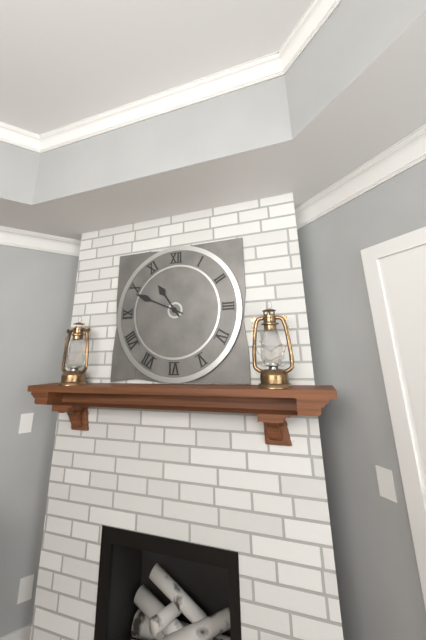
{"hour": 10, "minute": 49}
